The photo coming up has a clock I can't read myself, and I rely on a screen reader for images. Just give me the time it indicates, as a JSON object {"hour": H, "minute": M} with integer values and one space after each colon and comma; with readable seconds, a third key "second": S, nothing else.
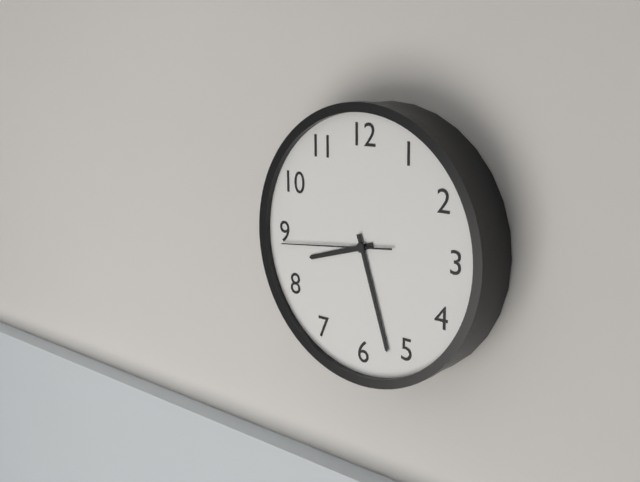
{"hour": 8, "minute": 27, "second": 44}
